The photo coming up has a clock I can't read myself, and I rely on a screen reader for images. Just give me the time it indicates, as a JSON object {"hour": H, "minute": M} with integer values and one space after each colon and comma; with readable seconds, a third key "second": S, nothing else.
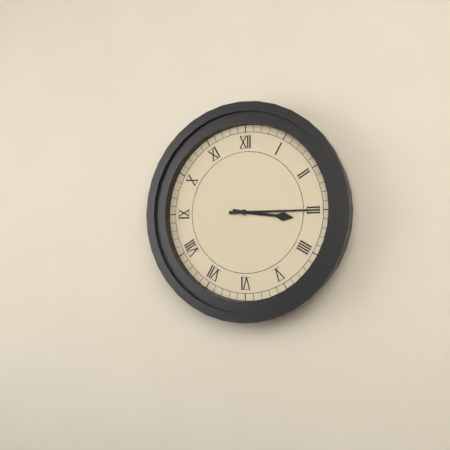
{"hour": 3, "minute": 15}
